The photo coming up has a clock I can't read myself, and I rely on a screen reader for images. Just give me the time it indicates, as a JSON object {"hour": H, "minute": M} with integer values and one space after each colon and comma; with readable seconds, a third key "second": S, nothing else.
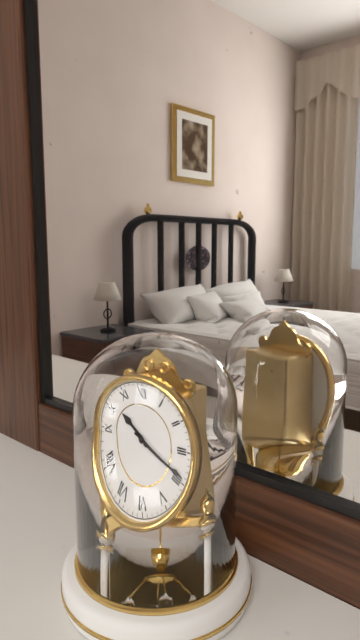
{"hour": 10, "minute": 19}
